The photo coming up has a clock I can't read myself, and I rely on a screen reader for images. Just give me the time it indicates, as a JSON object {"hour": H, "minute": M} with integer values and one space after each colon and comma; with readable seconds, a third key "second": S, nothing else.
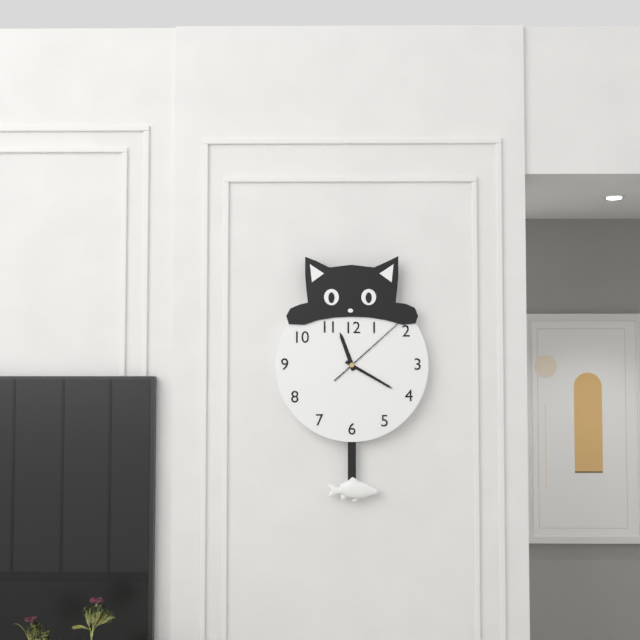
{"hour": 11, "minute": 20, "second": 8}
